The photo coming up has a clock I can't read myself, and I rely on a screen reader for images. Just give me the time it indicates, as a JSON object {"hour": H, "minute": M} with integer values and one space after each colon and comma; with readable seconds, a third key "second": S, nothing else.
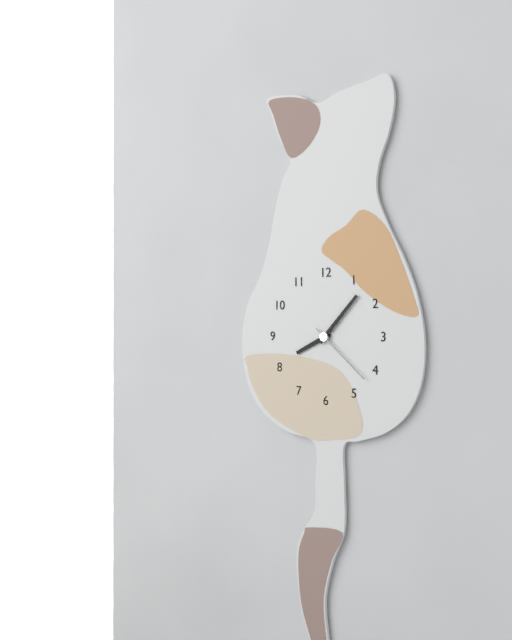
{"hour": 8, "minute": 7, "second": 22}
